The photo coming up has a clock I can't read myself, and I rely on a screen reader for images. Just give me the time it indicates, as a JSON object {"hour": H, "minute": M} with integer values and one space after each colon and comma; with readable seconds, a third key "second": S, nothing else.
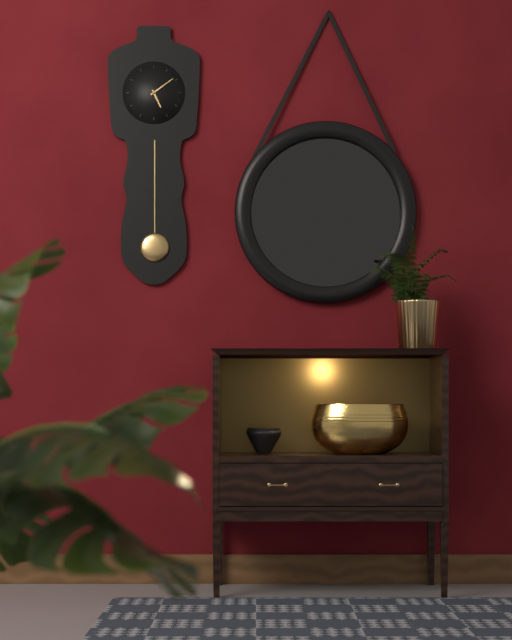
{"hour": 5, "minute": 9}
